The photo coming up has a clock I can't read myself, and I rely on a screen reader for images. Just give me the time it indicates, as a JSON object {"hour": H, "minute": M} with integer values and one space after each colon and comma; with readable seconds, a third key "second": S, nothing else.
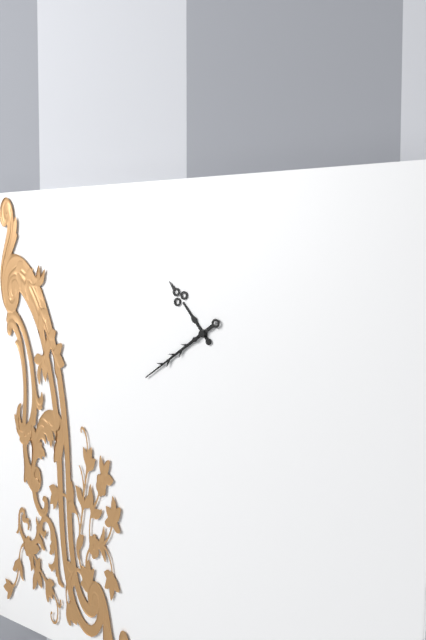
{"hour": 10, "minute": 39}
